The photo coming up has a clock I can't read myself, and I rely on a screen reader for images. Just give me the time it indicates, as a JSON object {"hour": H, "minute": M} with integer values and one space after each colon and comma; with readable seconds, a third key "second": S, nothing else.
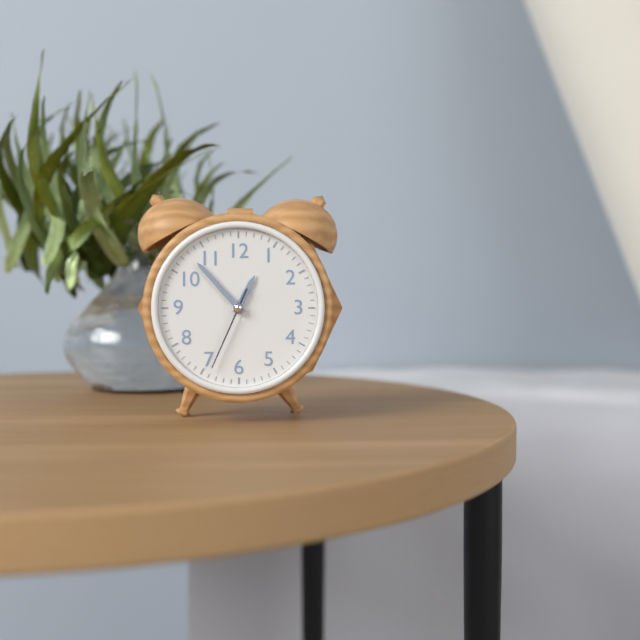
{"hour": 12, "minute": 53, "second": 34}
